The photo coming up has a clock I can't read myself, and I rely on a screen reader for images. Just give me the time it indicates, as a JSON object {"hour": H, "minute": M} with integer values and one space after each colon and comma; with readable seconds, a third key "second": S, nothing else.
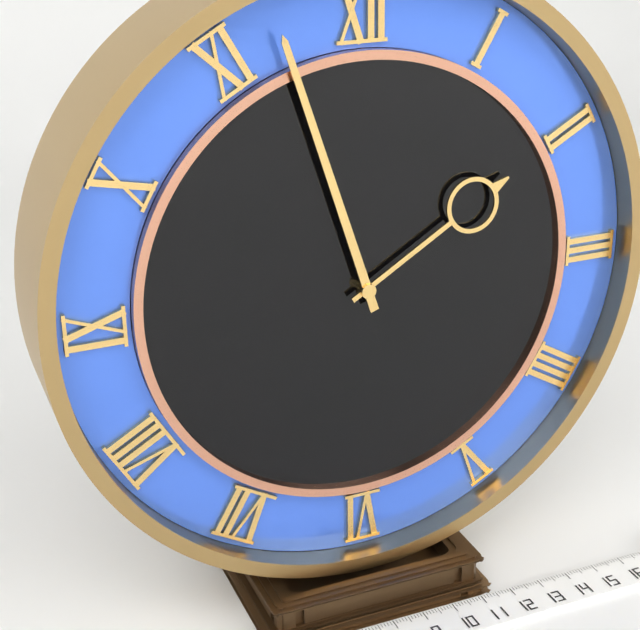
{"hour": 1, "minute": 57}
